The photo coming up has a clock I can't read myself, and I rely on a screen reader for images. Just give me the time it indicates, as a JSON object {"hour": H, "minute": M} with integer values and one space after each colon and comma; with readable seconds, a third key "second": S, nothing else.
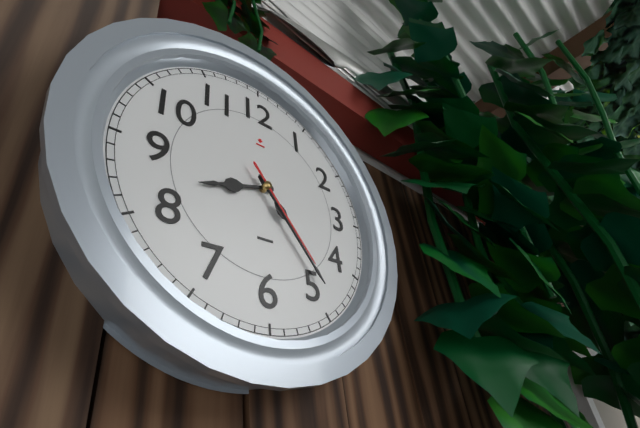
{"hour": 8, "minute": 24, "second": 24}
